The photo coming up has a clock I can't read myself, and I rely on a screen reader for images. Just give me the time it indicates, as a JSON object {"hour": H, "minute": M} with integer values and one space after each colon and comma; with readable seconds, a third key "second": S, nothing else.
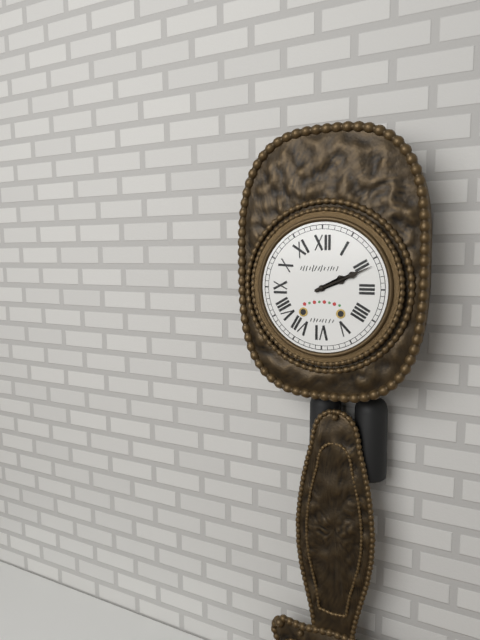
{"hour": 2, "minute": 11}
